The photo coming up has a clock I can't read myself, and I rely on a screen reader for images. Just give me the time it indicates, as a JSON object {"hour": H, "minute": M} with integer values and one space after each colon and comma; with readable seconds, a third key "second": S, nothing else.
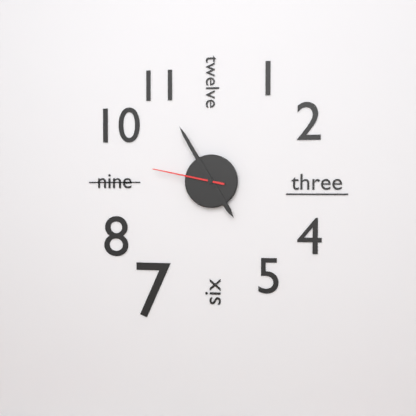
{"hour": 4, "minute": 55, "second": 47}
